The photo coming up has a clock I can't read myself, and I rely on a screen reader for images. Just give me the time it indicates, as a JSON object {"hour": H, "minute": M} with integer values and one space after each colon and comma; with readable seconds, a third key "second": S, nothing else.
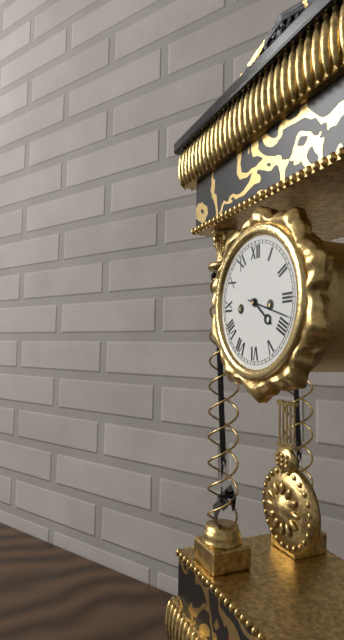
{"hour": 4, "minute": 18}
